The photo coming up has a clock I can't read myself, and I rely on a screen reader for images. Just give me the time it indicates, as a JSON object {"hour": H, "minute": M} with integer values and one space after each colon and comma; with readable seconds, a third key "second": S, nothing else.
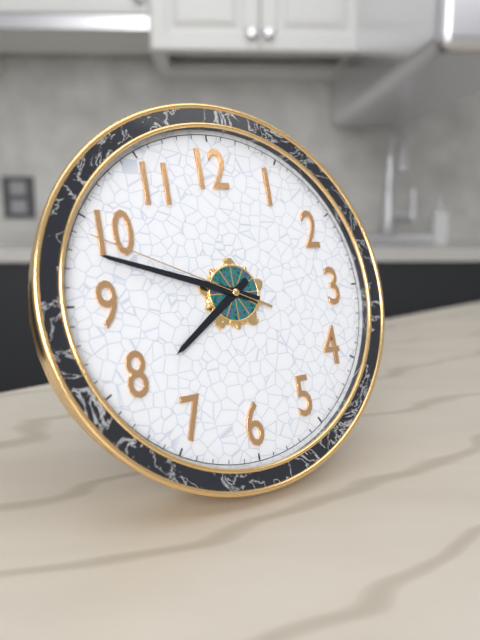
{"hour": 7, "minute": 48, "second": 49}
